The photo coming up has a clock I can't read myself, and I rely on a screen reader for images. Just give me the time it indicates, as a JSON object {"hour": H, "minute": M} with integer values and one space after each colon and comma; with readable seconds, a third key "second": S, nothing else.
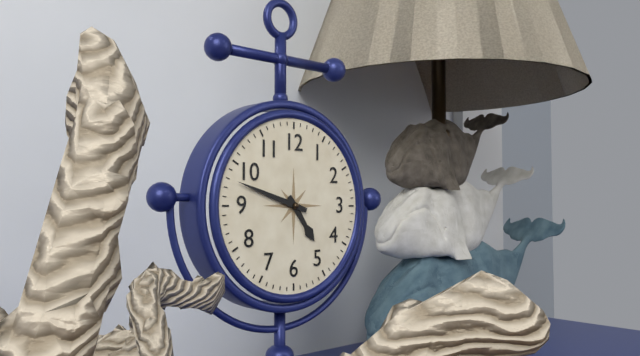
{"hour": 4, "minute": 48}
